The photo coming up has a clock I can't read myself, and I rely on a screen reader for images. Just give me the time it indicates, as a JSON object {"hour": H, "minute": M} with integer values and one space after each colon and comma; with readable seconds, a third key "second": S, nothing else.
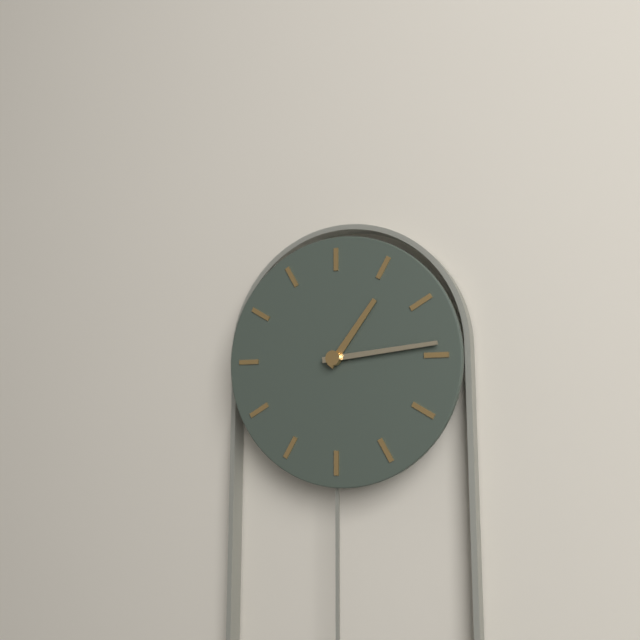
{"hour": 1, "minute": 14}
